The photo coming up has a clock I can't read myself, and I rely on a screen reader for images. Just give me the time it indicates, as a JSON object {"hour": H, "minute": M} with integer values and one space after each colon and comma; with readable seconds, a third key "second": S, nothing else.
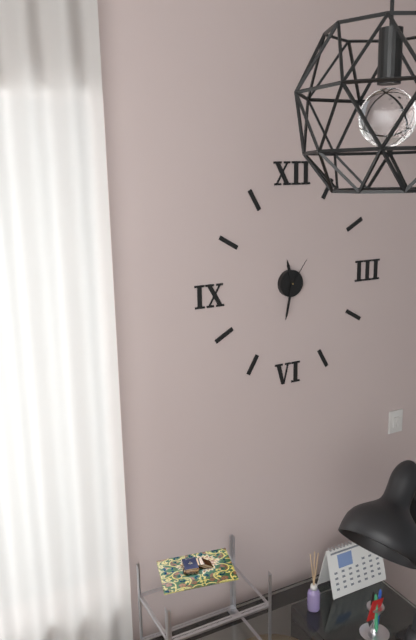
{"hour": 11, "minute": 32}
